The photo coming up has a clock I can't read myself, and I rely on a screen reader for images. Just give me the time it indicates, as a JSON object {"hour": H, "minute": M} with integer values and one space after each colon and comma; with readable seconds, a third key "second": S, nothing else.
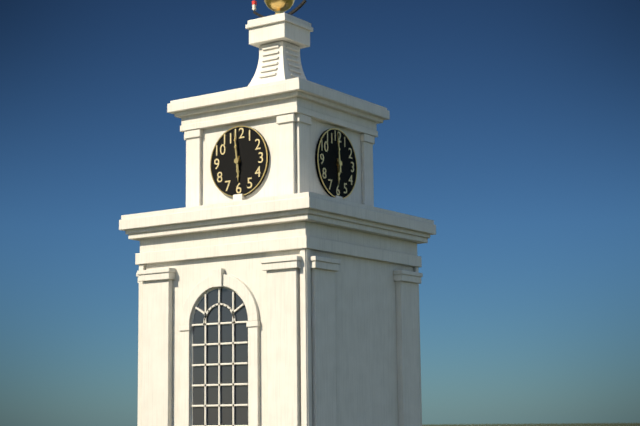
{"hour": 5, "minute": 59}
